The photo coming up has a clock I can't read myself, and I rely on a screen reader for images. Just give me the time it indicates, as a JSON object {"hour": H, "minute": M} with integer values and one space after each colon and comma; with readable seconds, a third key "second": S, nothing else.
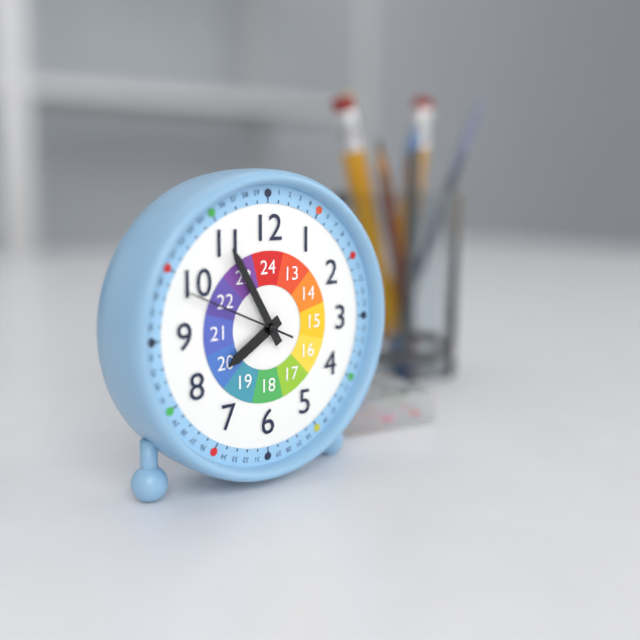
{"hour": 7, "minute": 55, "second": 49}
